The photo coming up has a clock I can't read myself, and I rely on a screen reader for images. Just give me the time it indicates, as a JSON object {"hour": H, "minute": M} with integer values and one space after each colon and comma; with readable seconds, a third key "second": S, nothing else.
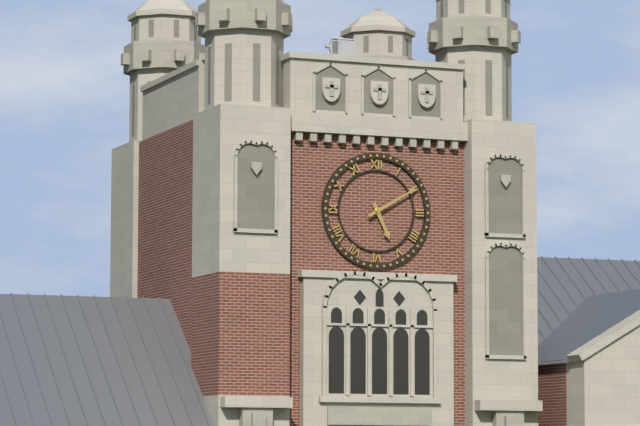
{"hour": 5, "minute": 10}
